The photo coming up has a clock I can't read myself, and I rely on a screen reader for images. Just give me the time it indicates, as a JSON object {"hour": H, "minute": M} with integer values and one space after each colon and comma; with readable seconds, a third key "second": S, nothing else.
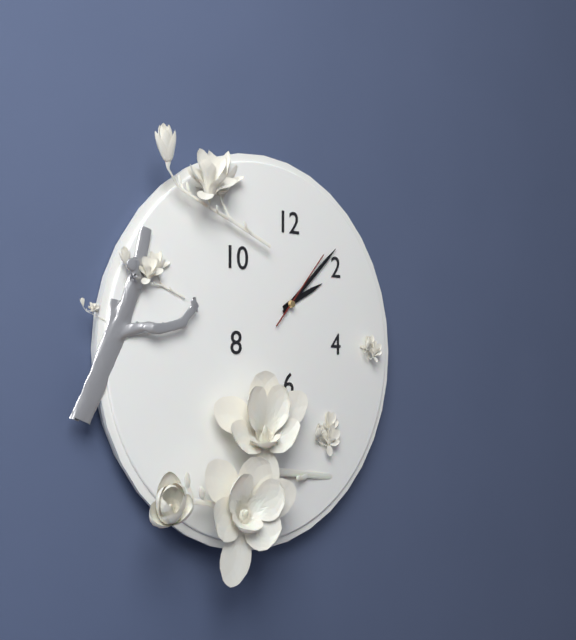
{"hour": 2, "minute": 8, "second": 7}
